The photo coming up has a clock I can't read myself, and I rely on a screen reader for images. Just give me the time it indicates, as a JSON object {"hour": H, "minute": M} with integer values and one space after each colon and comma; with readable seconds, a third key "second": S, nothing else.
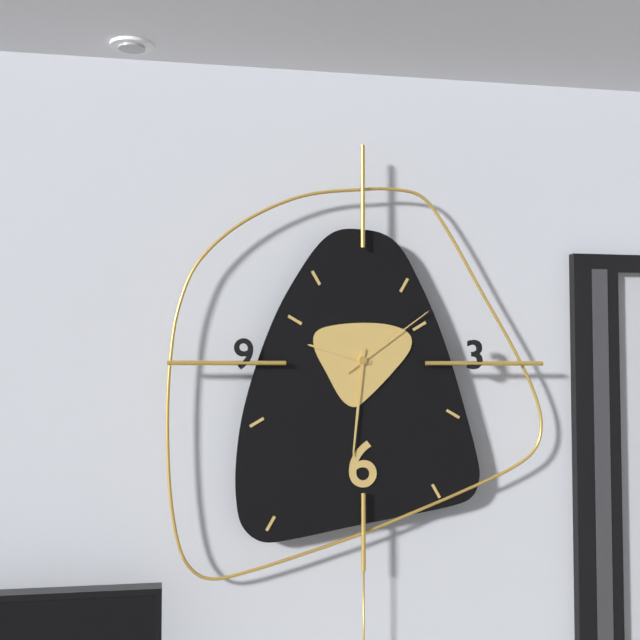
{"hour": 9, "minute": 31, "second": 9}
